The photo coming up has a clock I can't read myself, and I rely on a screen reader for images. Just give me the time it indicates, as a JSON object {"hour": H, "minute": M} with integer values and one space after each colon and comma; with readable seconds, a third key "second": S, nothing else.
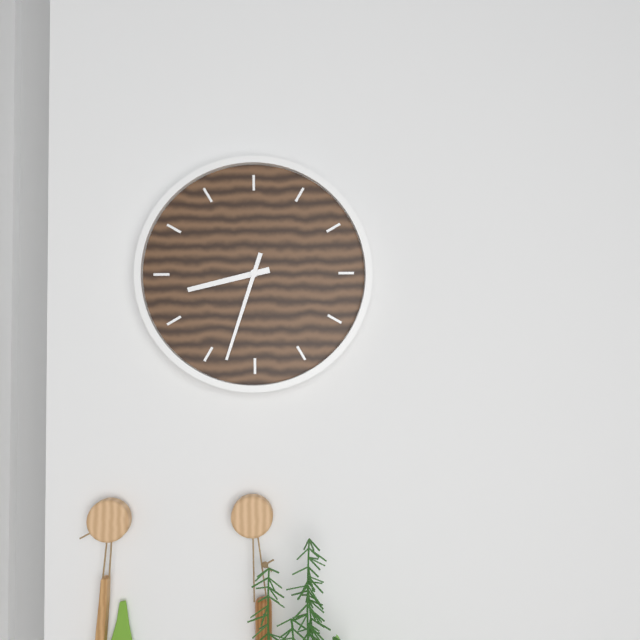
{"hour": 8, "minute": 33}
